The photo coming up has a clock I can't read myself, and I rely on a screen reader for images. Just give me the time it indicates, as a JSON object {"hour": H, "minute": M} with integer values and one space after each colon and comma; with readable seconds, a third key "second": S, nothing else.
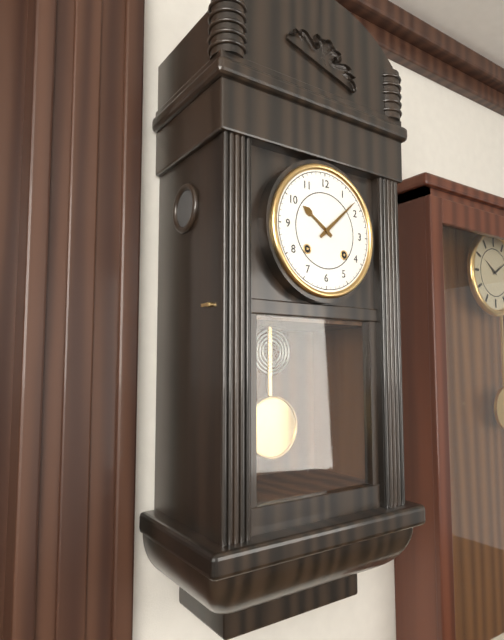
{"hour": 10, "minute": 8}
